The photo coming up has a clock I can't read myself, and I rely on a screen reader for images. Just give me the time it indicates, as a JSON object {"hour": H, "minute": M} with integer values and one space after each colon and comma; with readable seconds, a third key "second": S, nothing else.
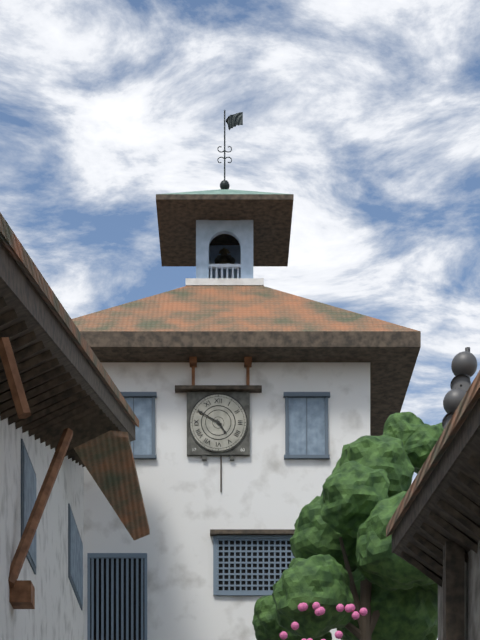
{"hour": 4, "minute": 50}
